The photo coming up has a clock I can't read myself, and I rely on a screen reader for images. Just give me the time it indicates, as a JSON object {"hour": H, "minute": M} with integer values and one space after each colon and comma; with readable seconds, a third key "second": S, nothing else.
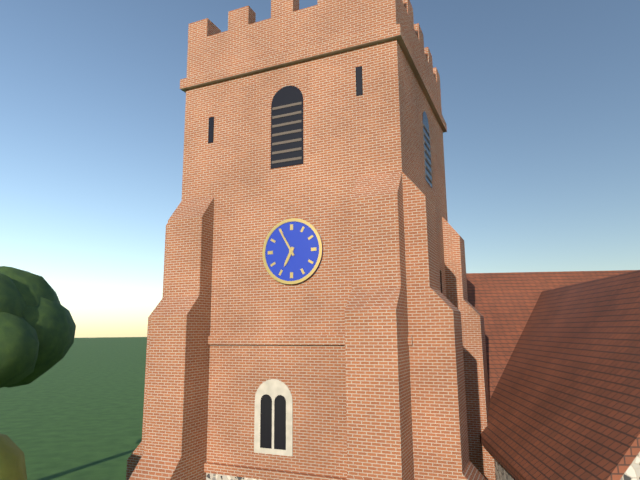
{"hour": 6, "minute": 55}
